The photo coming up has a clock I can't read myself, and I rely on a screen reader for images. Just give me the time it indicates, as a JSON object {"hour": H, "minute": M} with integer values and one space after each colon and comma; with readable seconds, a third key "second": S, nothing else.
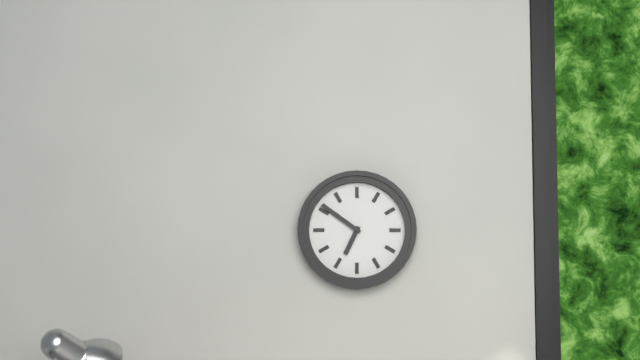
{"hour": 6, "minute": 51}
